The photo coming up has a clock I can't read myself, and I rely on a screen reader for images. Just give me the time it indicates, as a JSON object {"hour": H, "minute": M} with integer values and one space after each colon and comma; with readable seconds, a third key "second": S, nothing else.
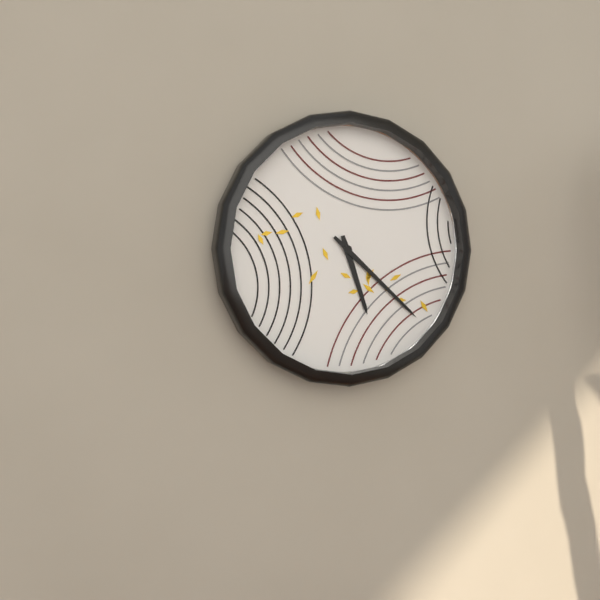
{"hour": 5, "minute": 22}
